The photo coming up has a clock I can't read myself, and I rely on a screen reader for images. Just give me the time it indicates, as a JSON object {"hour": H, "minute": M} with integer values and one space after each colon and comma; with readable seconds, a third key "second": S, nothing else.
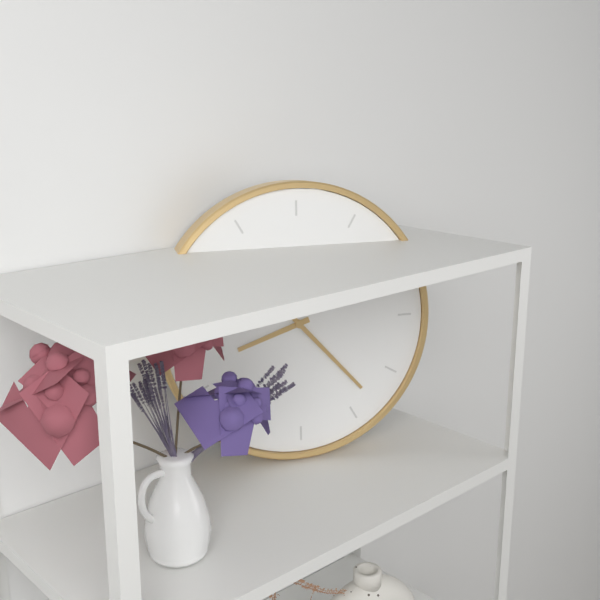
{"hour": 8, "minute": 23}
